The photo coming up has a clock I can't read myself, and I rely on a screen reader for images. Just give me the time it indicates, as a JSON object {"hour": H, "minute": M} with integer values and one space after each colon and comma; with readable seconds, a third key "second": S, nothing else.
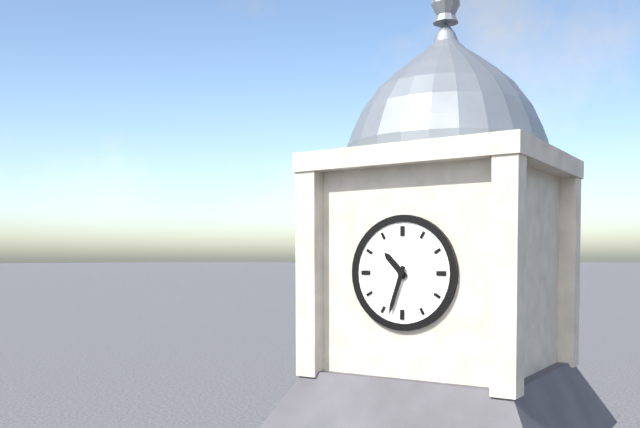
{"hour": 10, "minute": 33}
